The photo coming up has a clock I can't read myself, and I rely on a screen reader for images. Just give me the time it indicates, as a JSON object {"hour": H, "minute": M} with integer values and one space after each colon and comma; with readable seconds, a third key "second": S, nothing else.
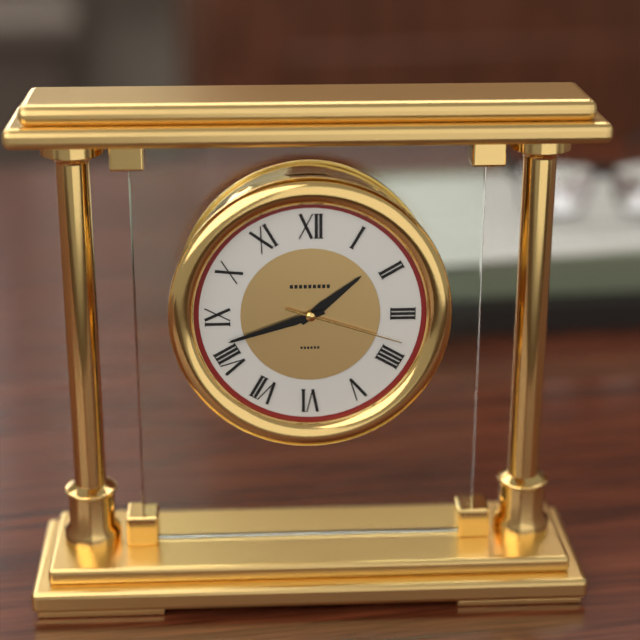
{"hour": 1, "minute": 42, "second": 18}
